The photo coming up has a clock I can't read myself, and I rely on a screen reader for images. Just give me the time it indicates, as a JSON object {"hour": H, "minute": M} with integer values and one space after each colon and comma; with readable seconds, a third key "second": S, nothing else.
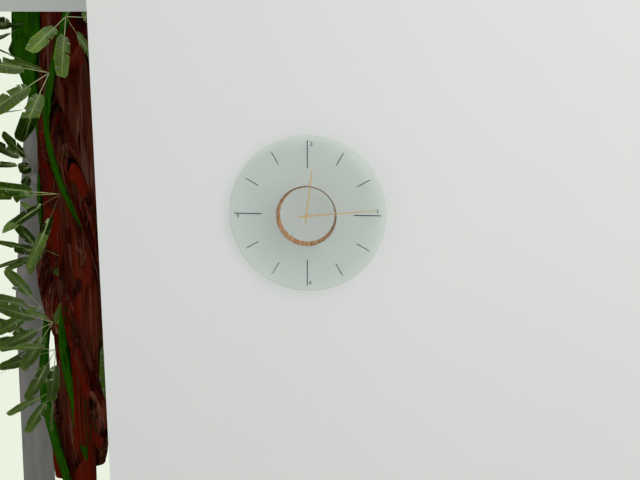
{"hour": 12, "minute": 14}
